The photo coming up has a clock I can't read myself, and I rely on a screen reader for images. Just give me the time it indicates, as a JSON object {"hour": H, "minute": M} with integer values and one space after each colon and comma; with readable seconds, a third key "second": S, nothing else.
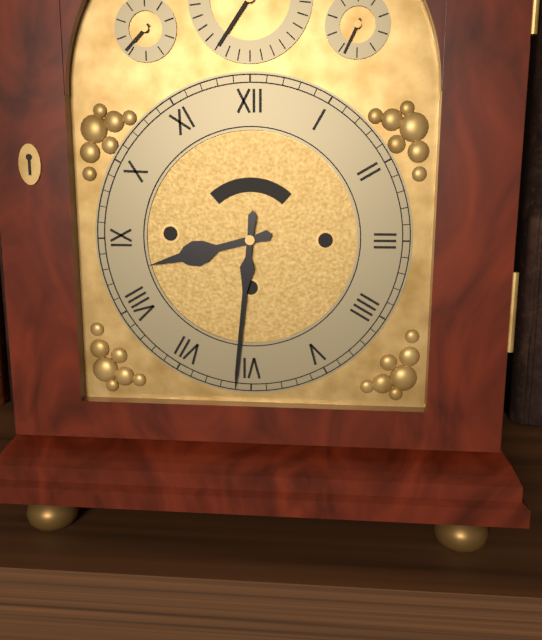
{"hour": 8, "minute": 31}
